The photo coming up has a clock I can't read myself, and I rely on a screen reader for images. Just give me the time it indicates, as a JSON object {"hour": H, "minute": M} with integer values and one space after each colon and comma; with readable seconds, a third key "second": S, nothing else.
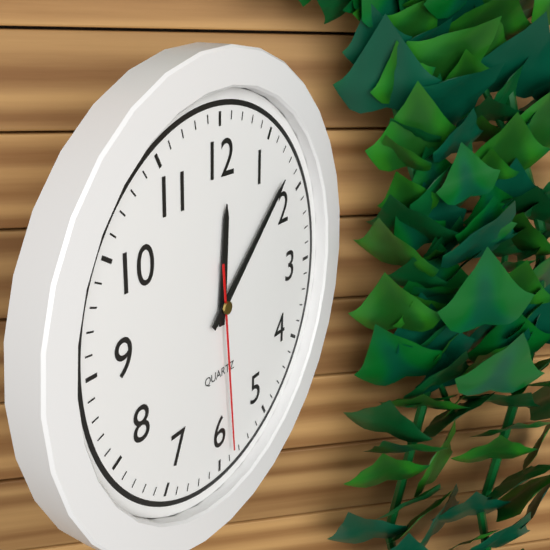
{"hour": 12, "minute": 8, "second": 29}
